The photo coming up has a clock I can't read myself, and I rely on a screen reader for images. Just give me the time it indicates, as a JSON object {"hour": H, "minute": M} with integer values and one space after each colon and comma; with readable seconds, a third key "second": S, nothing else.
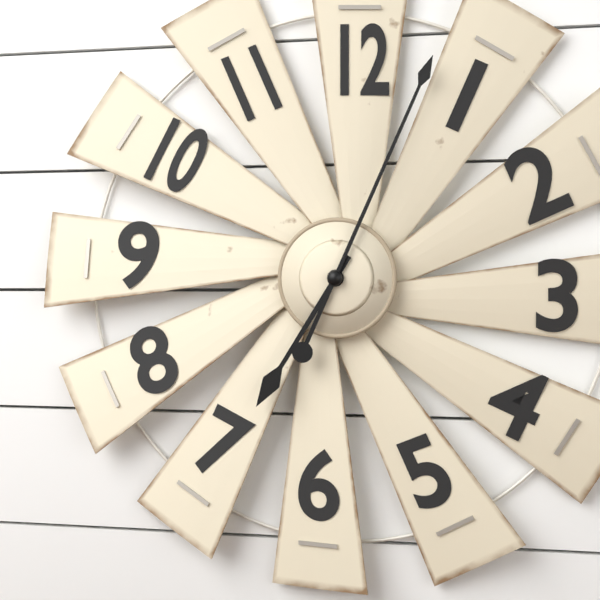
{"hour": 7, "minute": 4}
